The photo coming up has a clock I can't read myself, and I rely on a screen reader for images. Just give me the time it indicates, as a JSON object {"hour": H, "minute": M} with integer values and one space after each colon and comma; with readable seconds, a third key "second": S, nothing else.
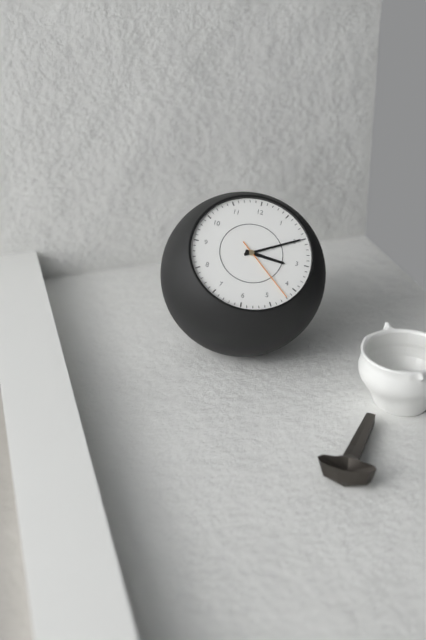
{"hour": 3, "minute": 10, "second": 22}
